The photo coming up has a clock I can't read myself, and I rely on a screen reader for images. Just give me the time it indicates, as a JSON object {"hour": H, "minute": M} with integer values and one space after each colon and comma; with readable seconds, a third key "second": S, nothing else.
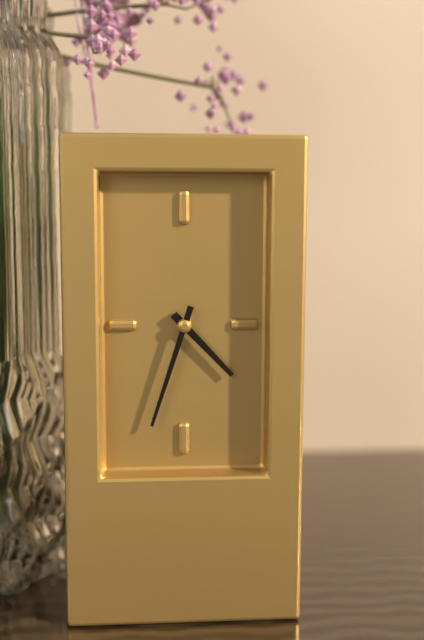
{"hour": 4, "minute": 33}
